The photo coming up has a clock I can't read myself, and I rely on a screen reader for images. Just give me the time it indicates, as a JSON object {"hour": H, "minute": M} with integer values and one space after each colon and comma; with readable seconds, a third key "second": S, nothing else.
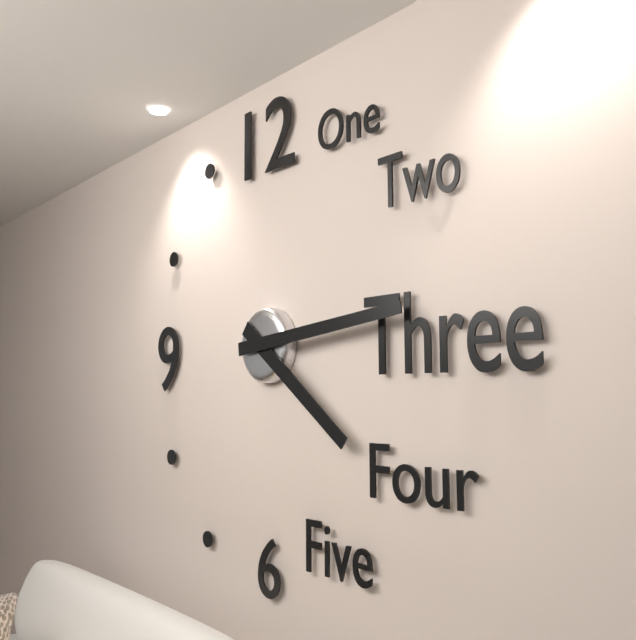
{"hour": 4, "minute": 14}
